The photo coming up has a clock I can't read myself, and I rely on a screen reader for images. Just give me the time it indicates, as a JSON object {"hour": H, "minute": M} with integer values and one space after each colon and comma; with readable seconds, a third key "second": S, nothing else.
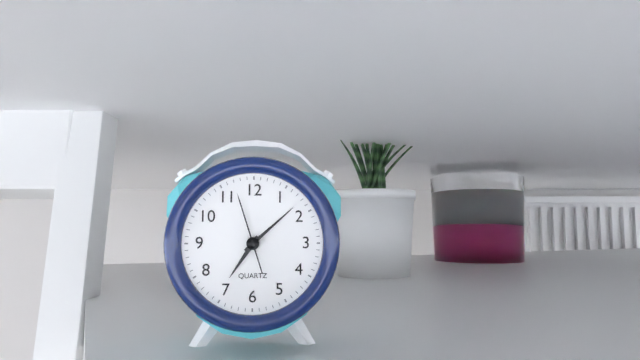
{"hour": 7, "minute": 8, "second": 57}
